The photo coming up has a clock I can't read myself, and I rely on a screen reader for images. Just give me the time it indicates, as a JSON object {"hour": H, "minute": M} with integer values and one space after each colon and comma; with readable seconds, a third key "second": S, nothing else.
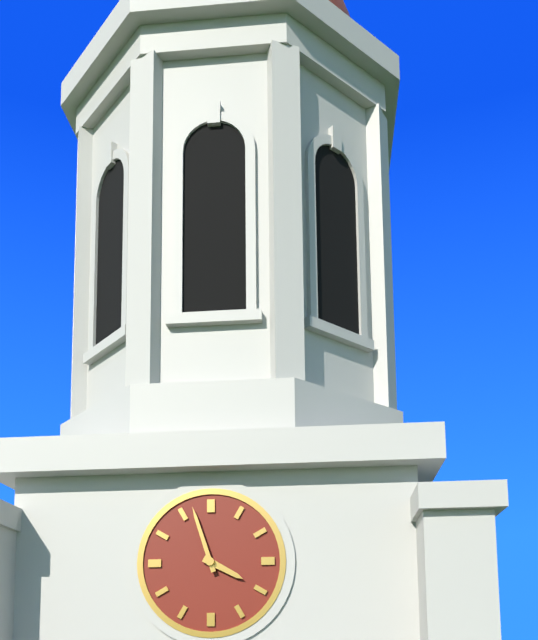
{"hour": 3, "minute": 57}
